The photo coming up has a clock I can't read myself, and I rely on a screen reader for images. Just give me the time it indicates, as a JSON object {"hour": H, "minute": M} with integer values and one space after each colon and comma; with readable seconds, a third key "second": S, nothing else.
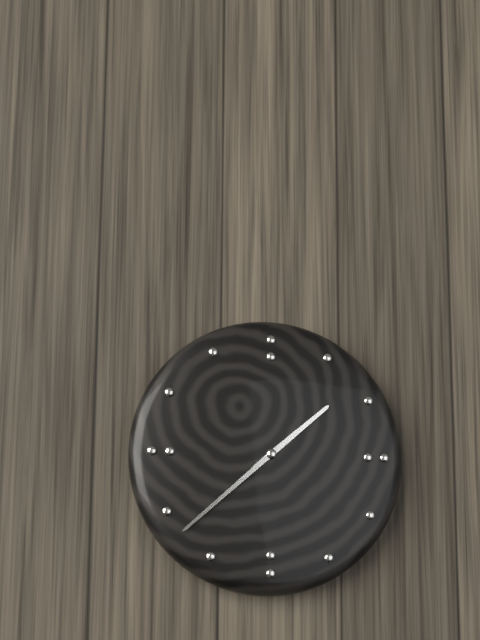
{"hour": 1, "minute": 38}
